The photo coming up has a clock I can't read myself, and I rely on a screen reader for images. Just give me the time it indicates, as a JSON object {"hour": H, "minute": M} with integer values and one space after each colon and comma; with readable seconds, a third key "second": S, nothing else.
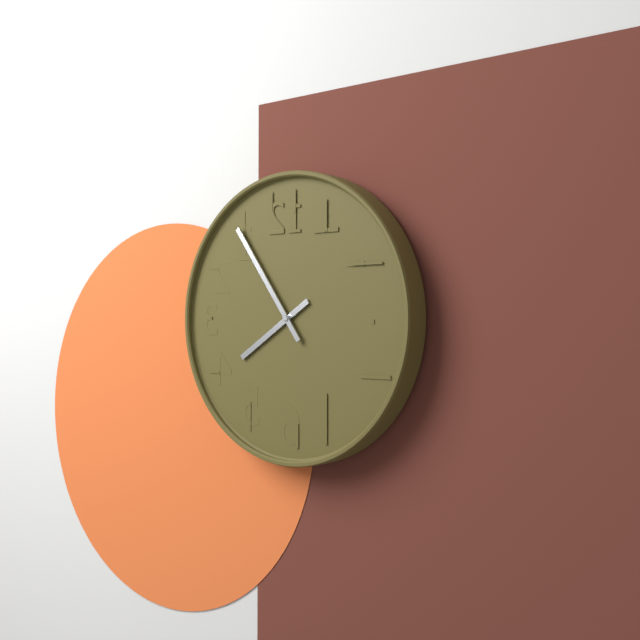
{"hour": 7, "minute": 54}
